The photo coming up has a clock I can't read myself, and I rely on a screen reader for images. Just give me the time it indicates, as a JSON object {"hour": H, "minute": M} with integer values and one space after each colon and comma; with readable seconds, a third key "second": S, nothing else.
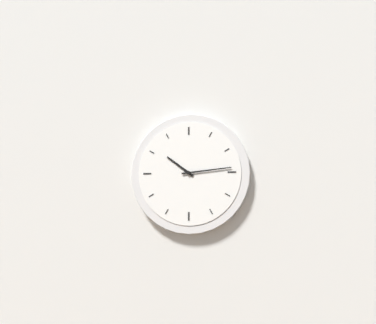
{"hour": 10, "minute": 14}
